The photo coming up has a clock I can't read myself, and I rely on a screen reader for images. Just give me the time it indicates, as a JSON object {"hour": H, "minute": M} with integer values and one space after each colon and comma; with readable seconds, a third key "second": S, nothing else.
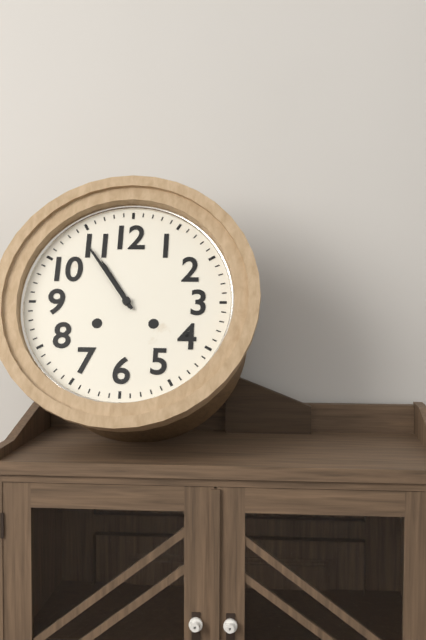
{"hour": 10, "minute": 54}
